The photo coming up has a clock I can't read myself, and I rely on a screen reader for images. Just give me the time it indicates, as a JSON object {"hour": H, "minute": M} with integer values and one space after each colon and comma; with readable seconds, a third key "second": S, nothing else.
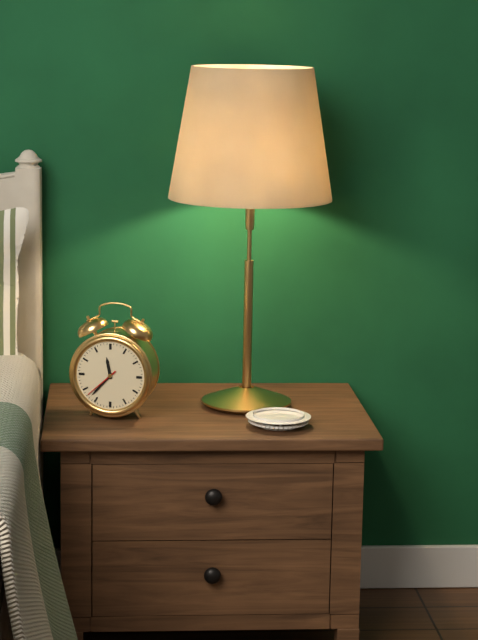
{"hour": 11, "minute": 37}
